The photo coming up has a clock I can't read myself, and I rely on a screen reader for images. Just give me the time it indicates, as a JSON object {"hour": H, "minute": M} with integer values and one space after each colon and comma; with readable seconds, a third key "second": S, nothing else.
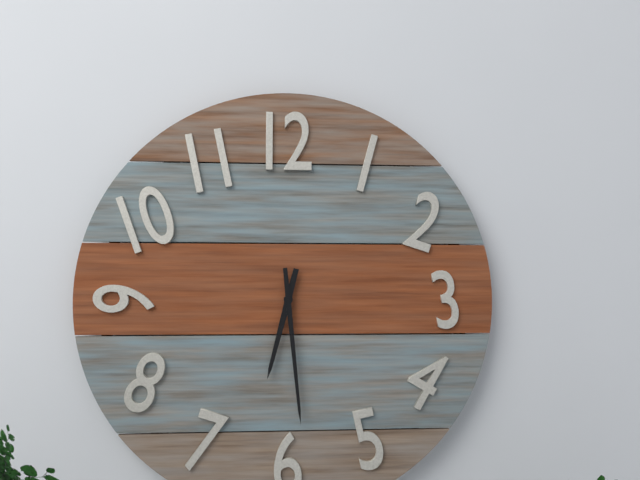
{"hour": 6, "minute": 29}
